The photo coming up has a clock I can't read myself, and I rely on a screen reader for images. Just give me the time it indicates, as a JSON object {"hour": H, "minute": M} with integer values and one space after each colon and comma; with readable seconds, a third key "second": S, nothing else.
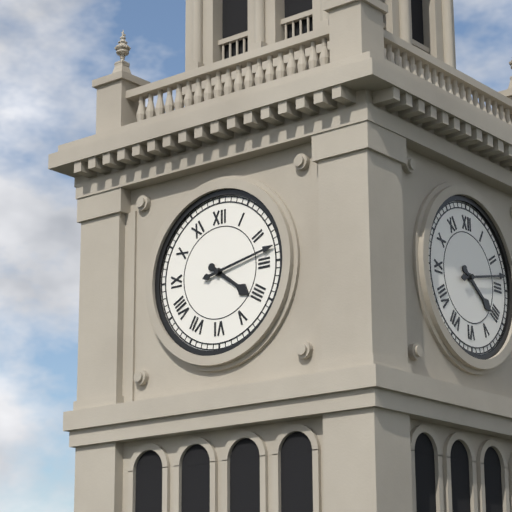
{"hour": 4, "minute": 13}
